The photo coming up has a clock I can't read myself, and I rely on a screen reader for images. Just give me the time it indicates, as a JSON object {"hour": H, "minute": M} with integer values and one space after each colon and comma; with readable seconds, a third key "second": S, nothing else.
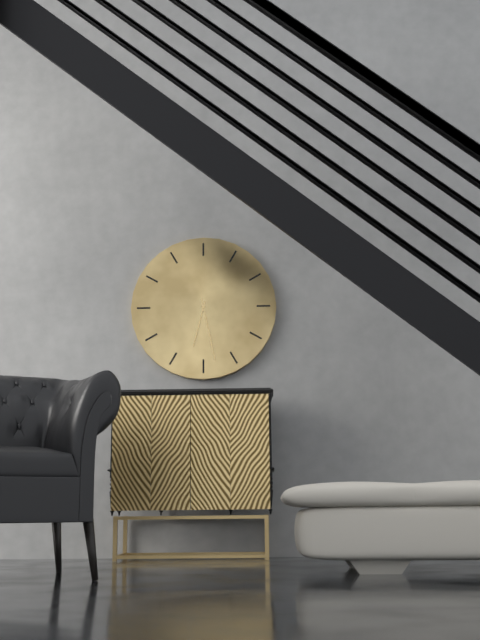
{"hour": 6, "minute": 28}
